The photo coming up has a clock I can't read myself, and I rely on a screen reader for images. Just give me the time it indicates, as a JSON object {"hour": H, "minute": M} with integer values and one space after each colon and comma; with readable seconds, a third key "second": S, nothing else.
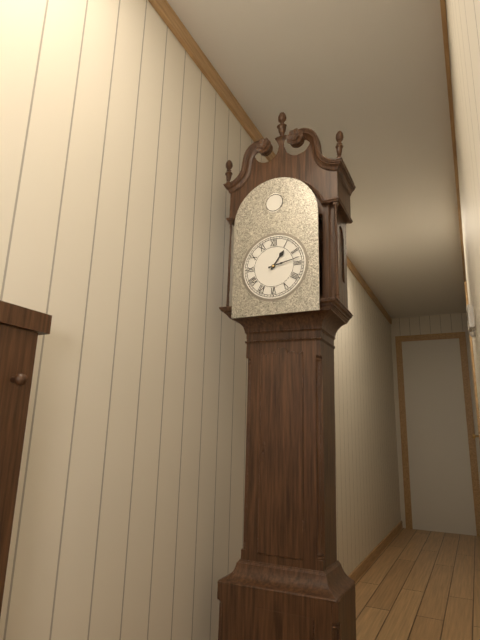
{"hour": 1, "minute": 13}
